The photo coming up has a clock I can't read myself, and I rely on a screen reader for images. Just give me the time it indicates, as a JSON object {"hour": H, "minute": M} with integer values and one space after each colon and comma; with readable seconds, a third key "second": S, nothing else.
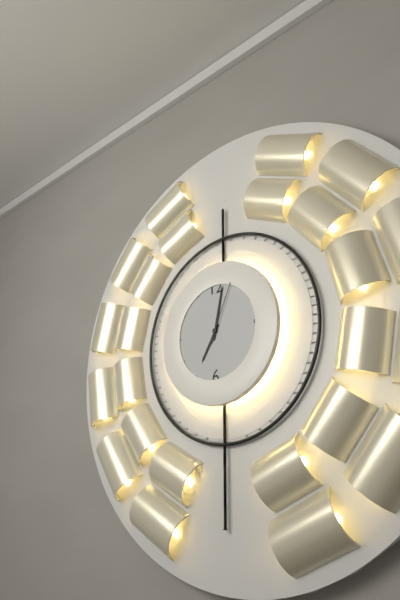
{"hour": 7, "minute": 2, "second": 4}
